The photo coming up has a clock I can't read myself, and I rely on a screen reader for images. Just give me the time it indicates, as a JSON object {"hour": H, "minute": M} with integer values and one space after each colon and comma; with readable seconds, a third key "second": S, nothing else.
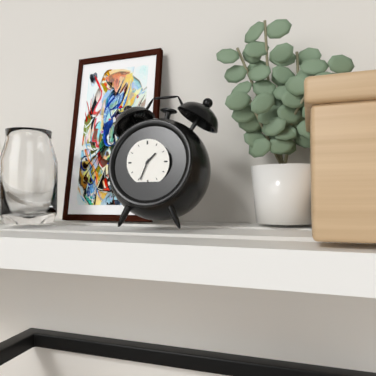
{"hour": 1, "minute": 34}
